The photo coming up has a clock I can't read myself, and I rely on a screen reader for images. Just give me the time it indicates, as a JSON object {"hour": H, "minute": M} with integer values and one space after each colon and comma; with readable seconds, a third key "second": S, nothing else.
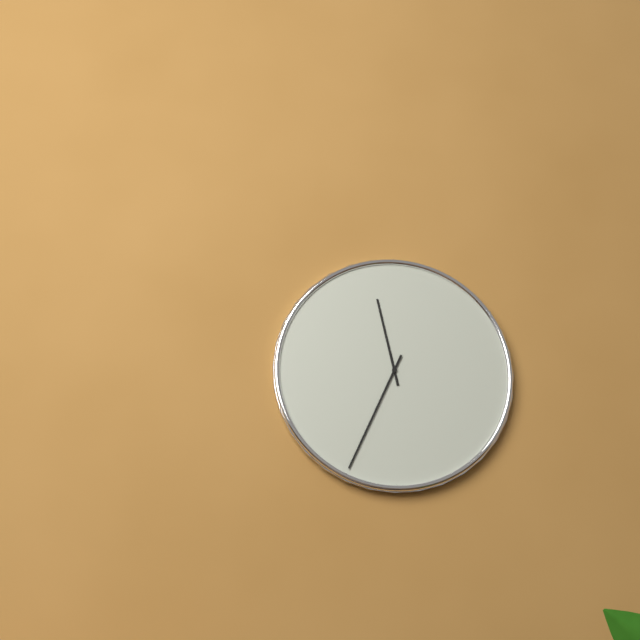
{"hour": 11, "minute": 34}
